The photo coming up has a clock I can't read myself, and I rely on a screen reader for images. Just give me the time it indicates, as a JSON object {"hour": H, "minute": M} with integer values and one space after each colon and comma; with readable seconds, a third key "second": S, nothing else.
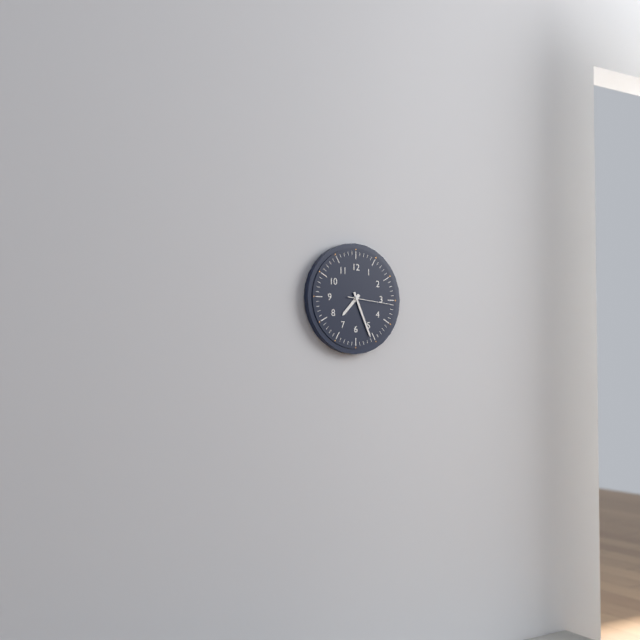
{"hour": 7, "minute": 26}
